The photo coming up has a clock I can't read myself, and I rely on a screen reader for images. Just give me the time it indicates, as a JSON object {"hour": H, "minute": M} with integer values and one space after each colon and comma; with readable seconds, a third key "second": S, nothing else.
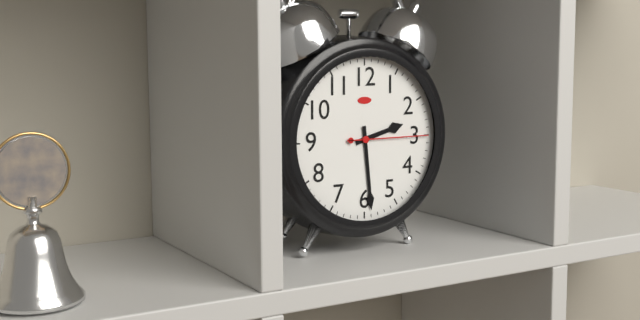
{"hour": 2, "minute": 29, "second": 15}
